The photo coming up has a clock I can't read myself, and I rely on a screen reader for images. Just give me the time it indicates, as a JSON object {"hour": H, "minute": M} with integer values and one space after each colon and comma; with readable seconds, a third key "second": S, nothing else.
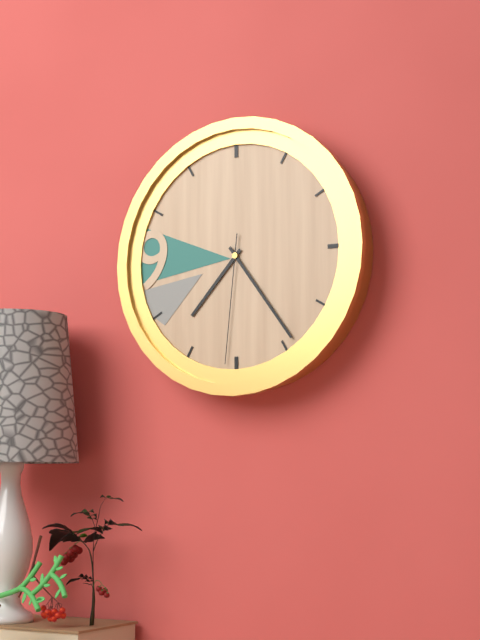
{"hour": 7, "minute": 24, "second": 31}
